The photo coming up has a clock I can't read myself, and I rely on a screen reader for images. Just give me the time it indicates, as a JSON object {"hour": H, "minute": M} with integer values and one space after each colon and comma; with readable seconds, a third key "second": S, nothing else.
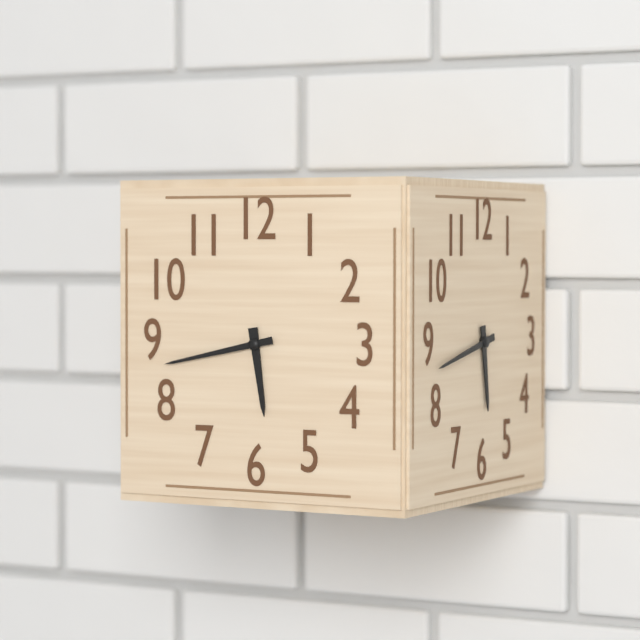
{"hour": 5, "minute": 43}
